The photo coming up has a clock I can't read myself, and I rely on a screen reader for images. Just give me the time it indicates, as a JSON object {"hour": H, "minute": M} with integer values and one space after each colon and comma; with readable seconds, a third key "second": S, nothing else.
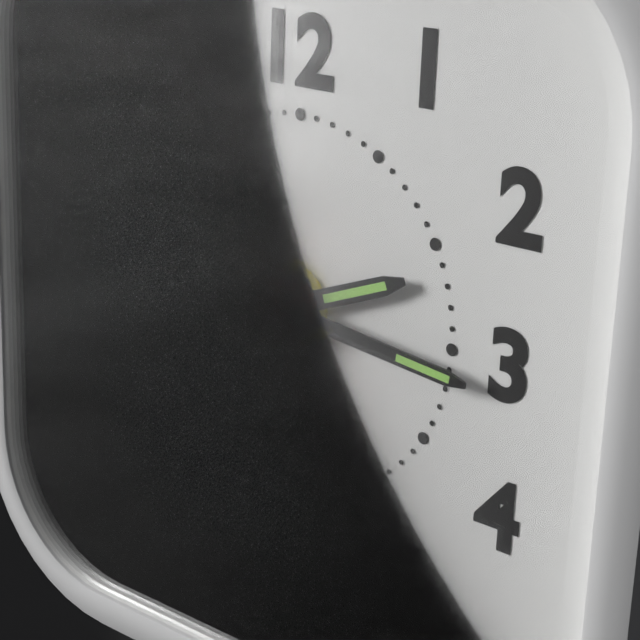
{"hour": 2, "minute": 16, "second": 26}
